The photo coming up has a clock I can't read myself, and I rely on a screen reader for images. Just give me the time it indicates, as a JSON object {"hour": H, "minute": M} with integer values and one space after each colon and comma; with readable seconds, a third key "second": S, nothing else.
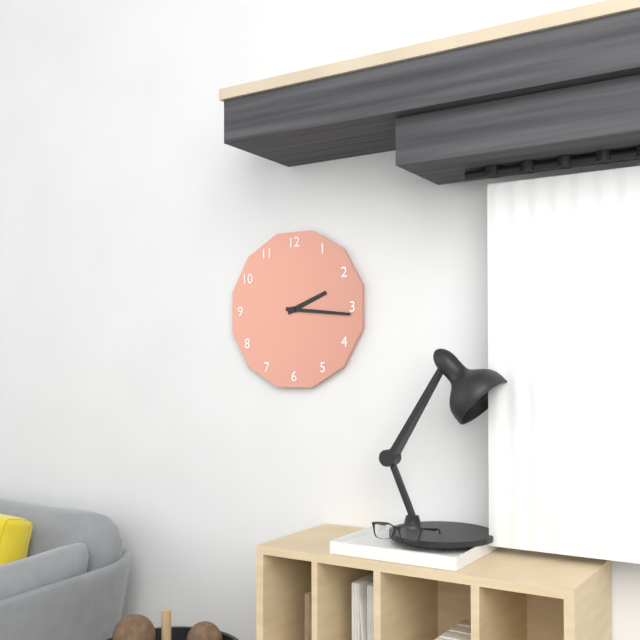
{"hour": 2, "minute": 16}
